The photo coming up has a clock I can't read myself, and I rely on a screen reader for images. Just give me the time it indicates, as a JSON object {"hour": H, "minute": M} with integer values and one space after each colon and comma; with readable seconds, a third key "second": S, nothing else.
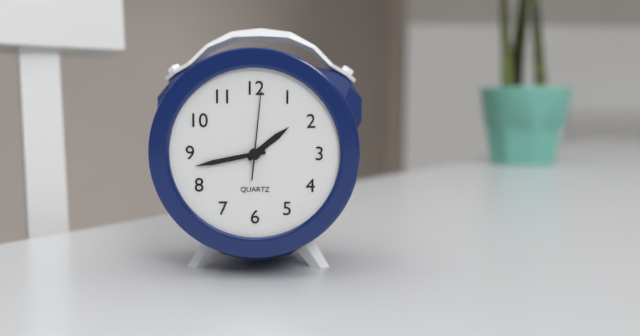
{"hour": 1, "minute": 43, "second": 1}
